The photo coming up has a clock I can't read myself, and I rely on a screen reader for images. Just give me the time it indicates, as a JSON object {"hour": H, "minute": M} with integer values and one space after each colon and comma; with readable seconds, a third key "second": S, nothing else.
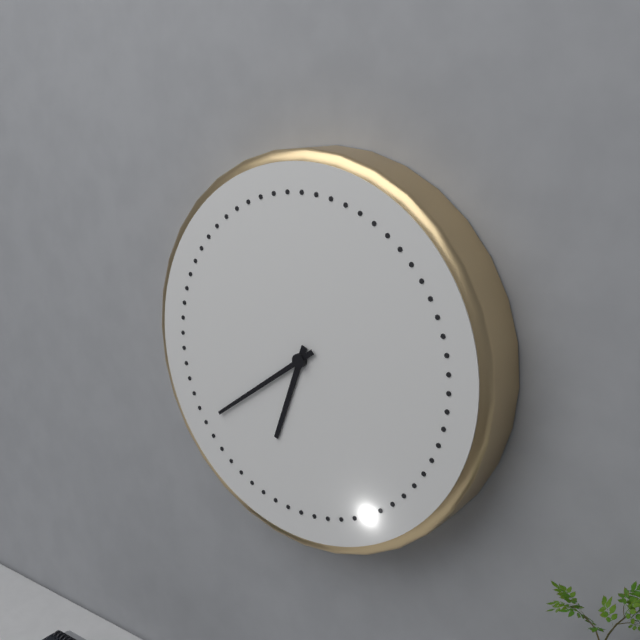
{"hour": 6, "minute": 39}
